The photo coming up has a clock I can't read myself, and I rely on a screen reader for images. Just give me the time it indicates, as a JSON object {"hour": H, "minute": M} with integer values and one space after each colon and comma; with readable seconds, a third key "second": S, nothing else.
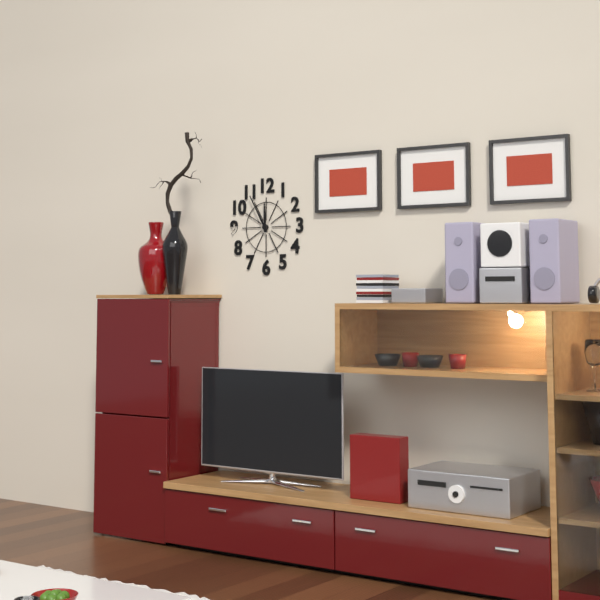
{"hour": 11, "minute": 55}
